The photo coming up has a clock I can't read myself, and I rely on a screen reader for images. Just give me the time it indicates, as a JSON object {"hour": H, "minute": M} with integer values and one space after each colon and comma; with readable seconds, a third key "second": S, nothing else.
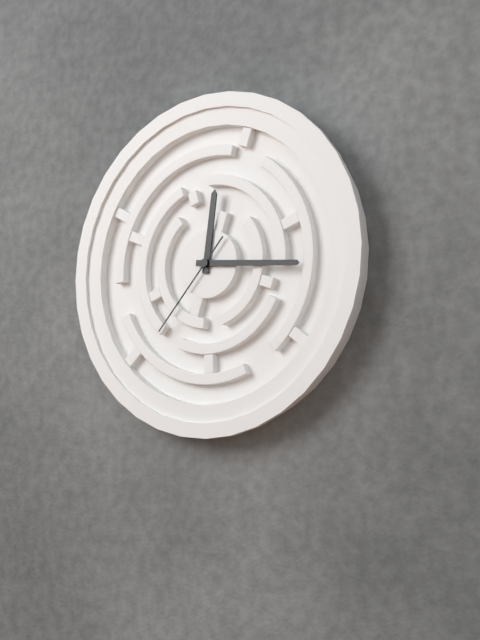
{"hour": 12, "minute": 16, "second": 37}
